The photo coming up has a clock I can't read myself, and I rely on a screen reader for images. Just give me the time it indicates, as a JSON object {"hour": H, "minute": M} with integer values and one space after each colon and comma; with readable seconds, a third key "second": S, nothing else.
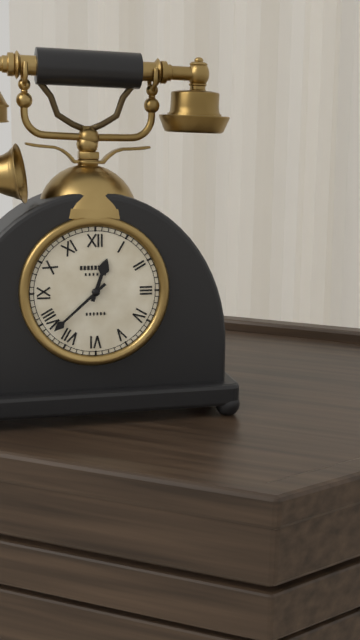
{"hour": 12, "minute": 38}
